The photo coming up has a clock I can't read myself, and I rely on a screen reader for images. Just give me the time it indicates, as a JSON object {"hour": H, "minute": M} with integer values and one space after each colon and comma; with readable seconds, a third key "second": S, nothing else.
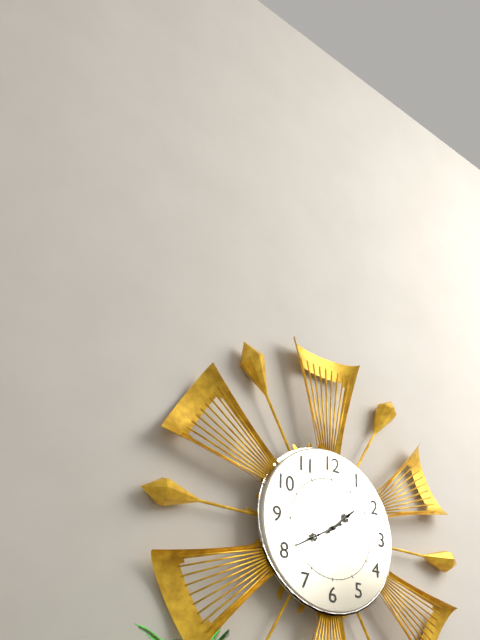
{"hour": 1, "minute": 40}
